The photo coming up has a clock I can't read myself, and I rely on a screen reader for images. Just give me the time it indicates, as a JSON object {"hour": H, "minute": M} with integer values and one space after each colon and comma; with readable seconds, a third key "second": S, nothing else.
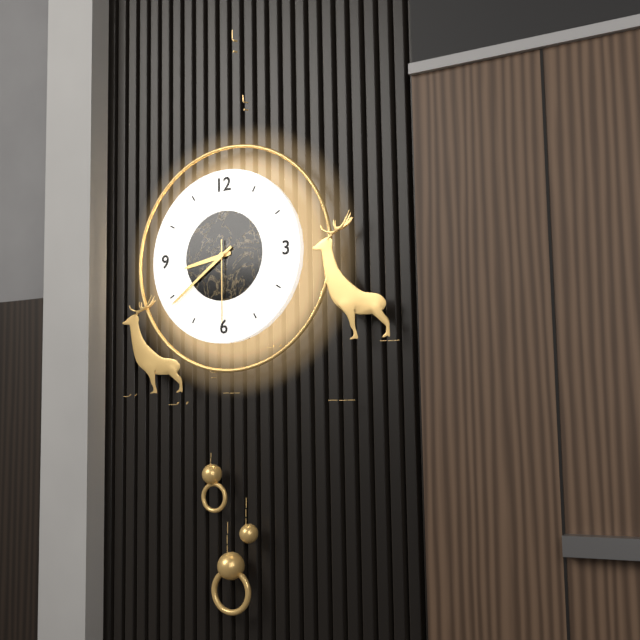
{"hour": 8, "minute": 39, "second": 30}
